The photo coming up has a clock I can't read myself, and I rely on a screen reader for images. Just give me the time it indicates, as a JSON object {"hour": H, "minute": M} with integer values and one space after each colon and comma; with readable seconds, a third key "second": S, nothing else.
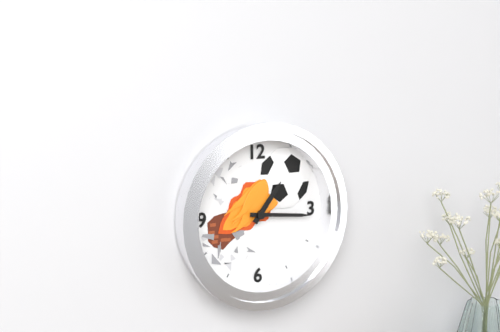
{"hour": 1, "minute": 16}
